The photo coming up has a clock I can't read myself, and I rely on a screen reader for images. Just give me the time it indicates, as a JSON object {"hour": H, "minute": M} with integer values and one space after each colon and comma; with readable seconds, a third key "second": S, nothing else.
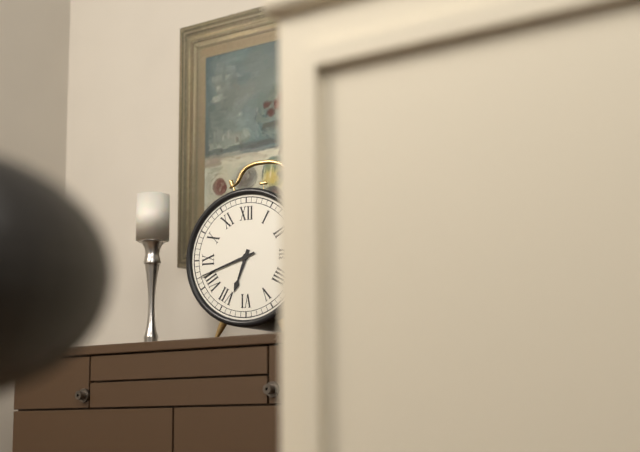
{"hour": 6, "minute": 42}
